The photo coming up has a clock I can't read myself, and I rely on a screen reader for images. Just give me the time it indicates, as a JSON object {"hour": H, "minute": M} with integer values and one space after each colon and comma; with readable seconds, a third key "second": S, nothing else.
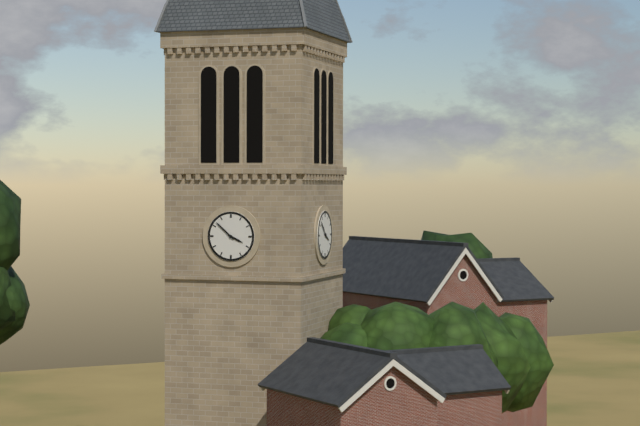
{"hour": 3, "minute": 52}
